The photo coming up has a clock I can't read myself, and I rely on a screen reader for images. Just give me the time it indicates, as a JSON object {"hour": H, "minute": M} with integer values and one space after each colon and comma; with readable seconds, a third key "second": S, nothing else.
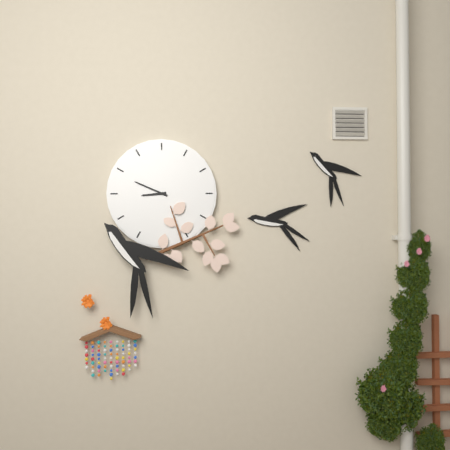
{"hour": 8, "minute": 49}
